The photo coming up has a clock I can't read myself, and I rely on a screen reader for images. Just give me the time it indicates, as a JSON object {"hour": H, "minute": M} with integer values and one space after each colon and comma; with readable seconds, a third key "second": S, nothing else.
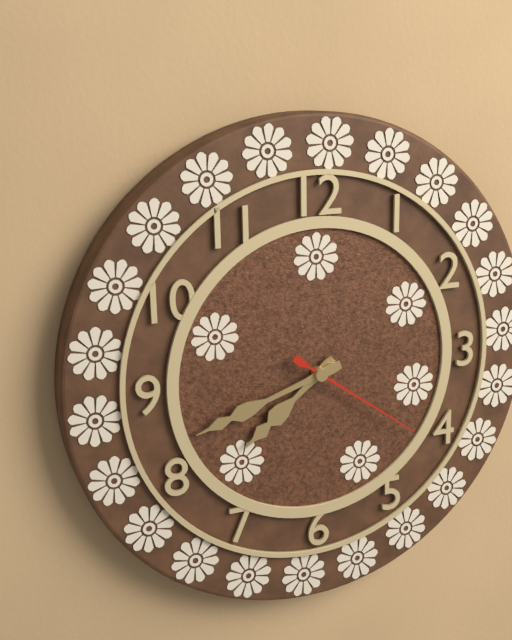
{"hour": 7, "minute": 42, "second": 21}
